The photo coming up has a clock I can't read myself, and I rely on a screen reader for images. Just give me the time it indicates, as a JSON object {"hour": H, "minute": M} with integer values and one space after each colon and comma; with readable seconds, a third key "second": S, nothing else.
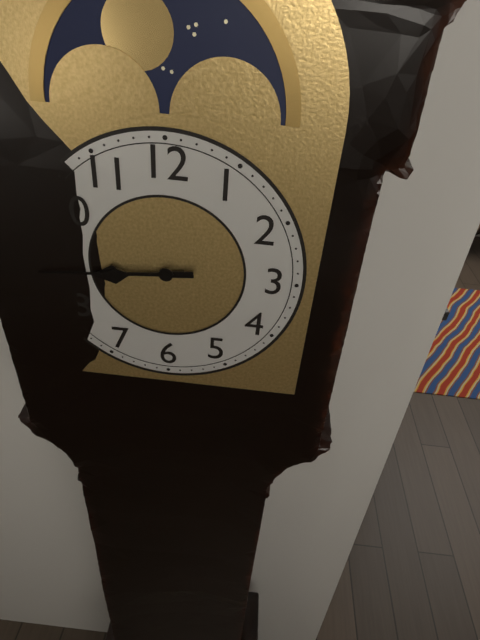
{"hour": 8, "minute": 44}
